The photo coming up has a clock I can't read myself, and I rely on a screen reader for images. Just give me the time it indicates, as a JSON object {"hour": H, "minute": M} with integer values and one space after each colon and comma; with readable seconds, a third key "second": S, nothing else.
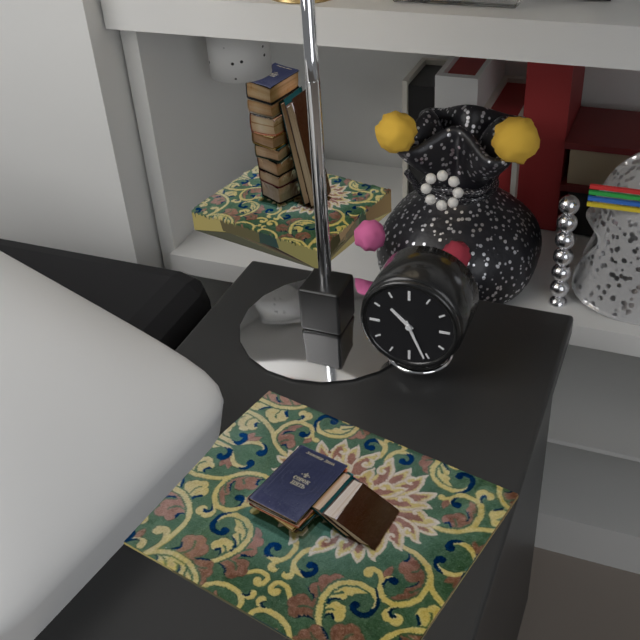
{"hour": 10, "minute": 26}
